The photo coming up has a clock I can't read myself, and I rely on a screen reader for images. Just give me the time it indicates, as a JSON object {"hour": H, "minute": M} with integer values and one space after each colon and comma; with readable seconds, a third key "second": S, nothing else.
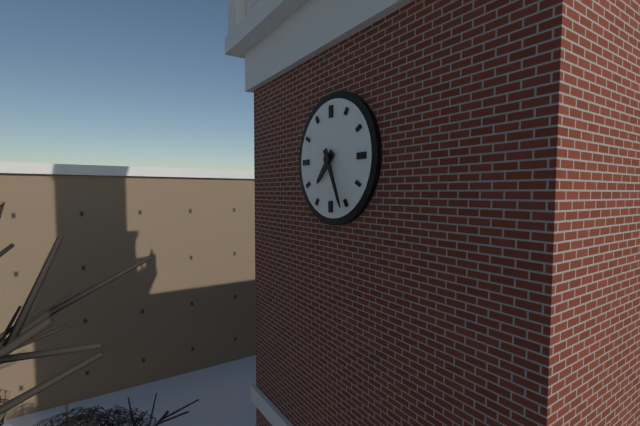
{"hour": 7, "minute": 26}
